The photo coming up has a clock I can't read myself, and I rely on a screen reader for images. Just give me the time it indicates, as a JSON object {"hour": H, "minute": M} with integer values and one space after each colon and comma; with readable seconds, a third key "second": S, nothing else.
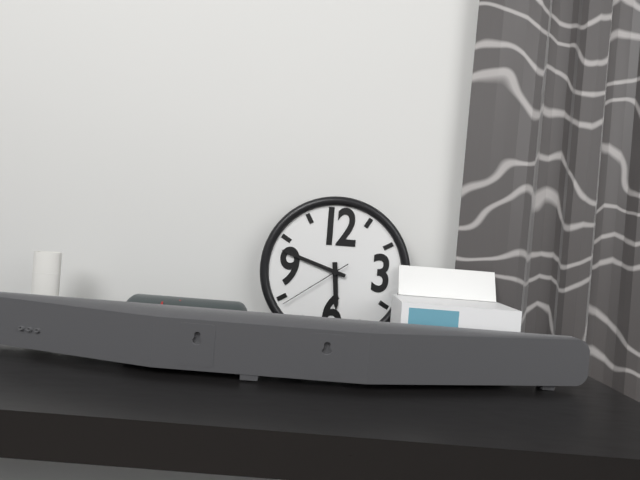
{"hour": 5, "minute": 48, "second": 39}
